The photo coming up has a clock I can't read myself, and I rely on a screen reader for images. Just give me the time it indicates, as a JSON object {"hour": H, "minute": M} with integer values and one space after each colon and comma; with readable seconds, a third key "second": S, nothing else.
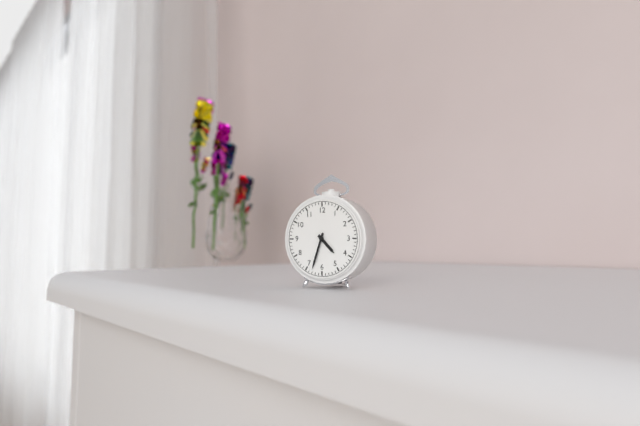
{"hour": 4, "minute": 33}
